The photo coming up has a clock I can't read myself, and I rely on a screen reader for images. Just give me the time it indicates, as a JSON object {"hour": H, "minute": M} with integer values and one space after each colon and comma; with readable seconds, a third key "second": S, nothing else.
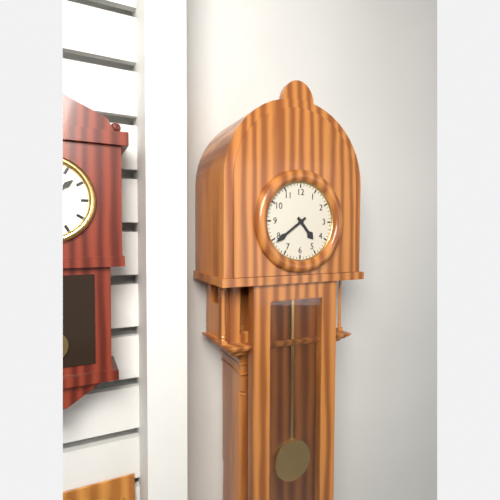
{"hour": 4, "minute": 39}
